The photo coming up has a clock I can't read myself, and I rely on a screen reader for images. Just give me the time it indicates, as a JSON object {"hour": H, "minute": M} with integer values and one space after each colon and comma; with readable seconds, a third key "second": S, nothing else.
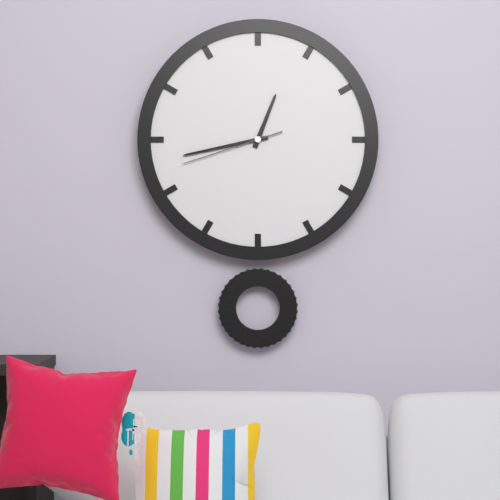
{"hour": 12, "minute": 43, "second": 42}
